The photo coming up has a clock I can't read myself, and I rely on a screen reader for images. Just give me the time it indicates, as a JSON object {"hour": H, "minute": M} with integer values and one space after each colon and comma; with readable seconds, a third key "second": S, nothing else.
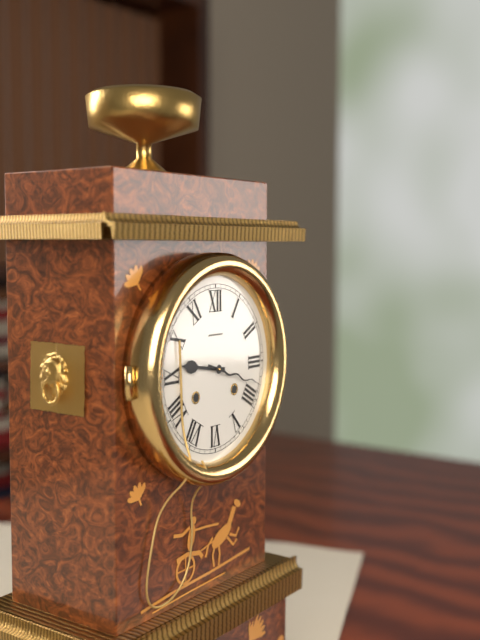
{"hour": 9, "minute": 18}
